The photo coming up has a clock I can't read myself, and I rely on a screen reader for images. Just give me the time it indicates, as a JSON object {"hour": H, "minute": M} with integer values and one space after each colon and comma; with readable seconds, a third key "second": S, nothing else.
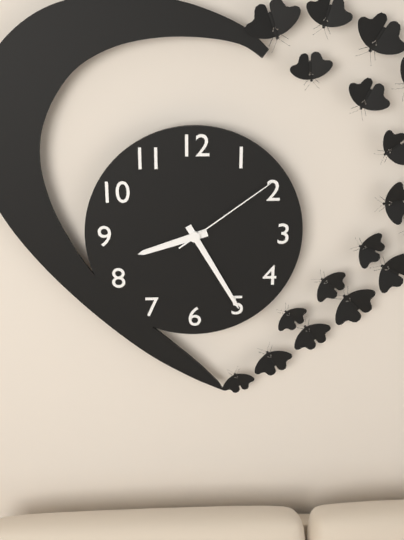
{"hour": 8, "minute": 25, "second": 9}
